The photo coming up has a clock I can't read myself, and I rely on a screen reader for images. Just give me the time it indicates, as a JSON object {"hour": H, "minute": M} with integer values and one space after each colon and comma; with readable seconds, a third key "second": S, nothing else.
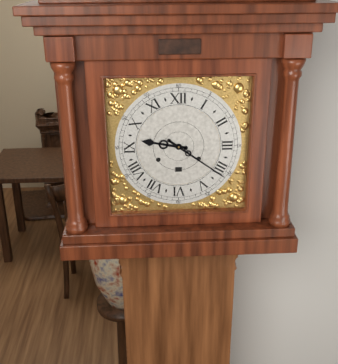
{"hour": 9, "minute": 21}
